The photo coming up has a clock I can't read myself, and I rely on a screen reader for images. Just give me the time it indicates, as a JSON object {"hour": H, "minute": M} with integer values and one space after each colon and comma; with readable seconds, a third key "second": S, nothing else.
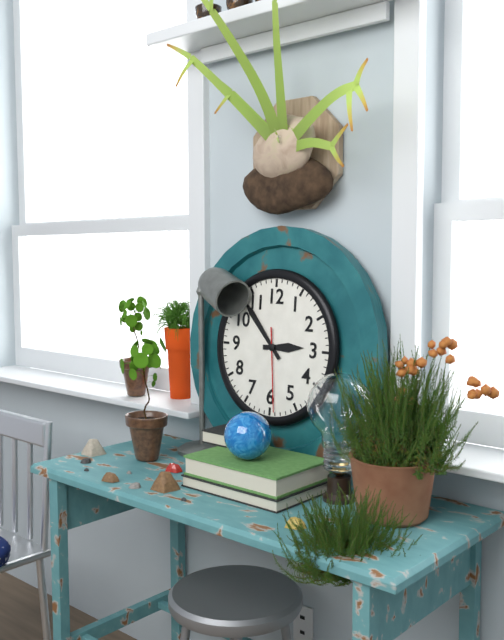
{"hour": 2, "minute": 53, "second": 29}
